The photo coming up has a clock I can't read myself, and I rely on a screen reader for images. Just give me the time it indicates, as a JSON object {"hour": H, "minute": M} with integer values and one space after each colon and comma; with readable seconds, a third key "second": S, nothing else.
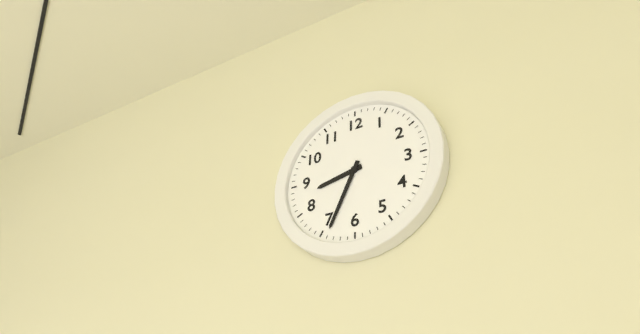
{"hour": 8, "minute": 34}
